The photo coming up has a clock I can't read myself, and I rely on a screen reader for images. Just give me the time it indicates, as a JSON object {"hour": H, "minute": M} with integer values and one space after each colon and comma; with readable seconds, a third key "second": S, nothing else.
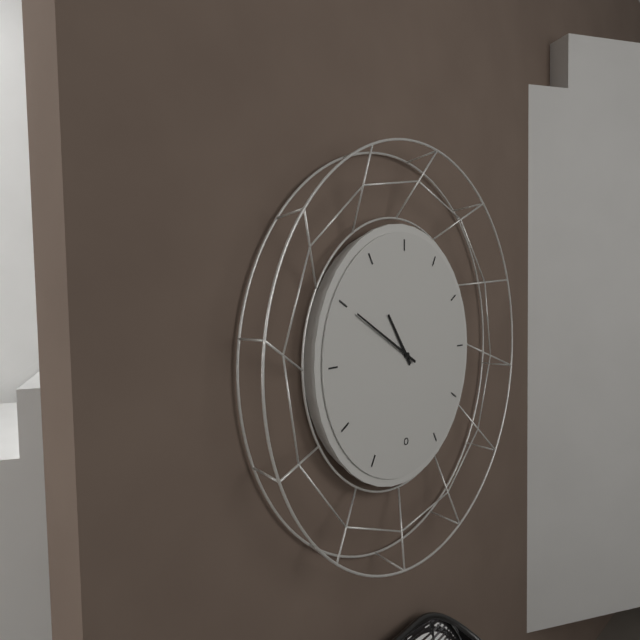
{"hour": 10, "minute": 50}
